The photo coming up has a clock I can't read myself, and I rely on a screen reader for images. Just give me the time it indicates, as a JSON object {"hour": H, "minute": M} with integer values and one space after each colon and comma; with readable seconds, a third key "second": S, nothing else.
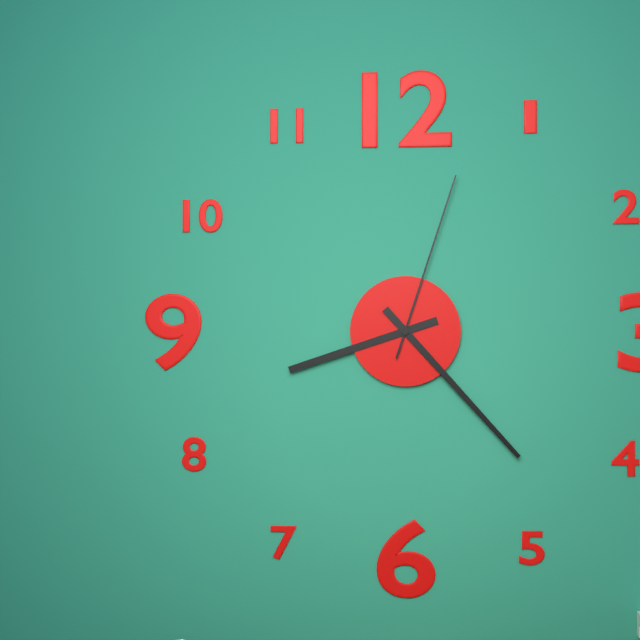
{"hour": 8, "minute": 23, "second": 3}
